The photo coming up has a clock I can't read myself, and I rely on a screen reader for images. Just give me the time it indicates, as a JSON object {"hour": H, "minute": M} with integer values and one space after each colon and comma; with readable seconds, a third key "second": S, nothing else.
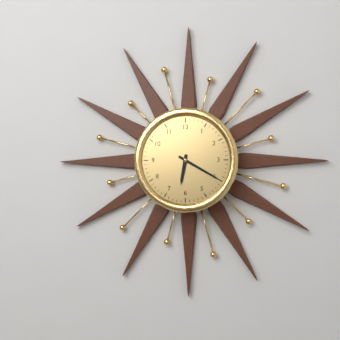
{"hour": 6, "minute": 20}
